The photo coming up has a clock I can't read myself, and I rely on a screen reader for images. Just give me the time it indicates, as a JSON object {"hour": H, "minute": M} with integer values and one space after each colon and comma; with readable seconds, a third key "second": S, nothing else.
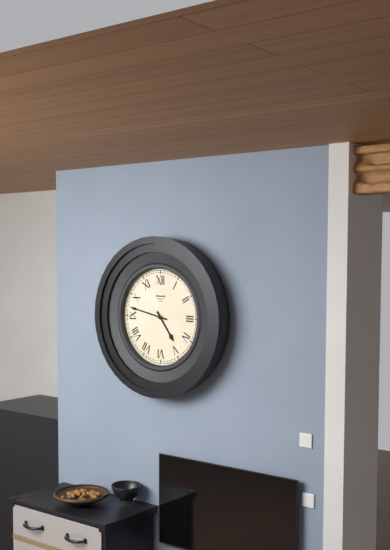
{"hour": 4, "minute": 47}
